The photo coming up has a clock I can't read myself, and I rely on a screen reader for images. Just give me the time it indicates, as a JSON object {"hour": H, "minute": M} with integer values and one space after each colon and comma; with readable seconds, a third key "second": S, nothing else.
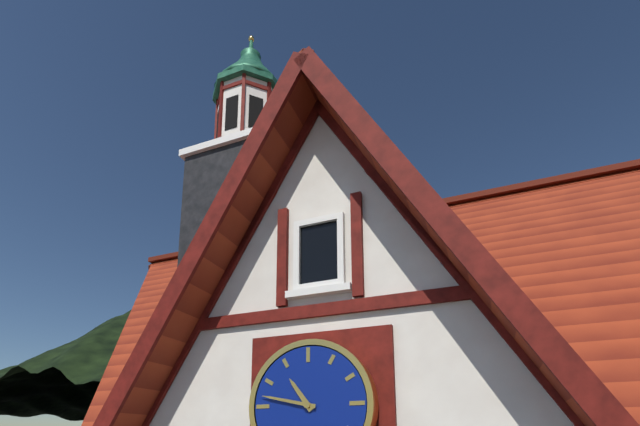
{"hour": 10, "minute": 47}
